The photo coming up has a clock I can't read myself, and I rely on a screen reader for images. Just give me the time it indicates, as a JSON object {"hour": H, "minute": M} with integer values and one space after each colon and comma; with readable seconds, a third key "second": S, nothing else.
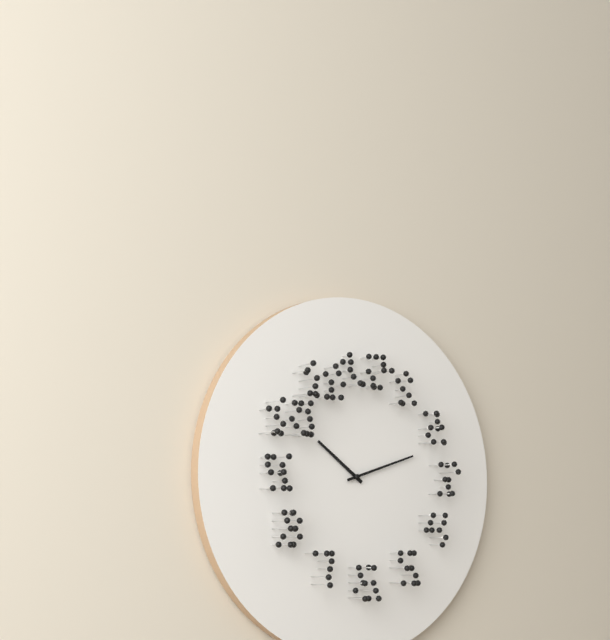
{"hour": 10, "minute": 12}
